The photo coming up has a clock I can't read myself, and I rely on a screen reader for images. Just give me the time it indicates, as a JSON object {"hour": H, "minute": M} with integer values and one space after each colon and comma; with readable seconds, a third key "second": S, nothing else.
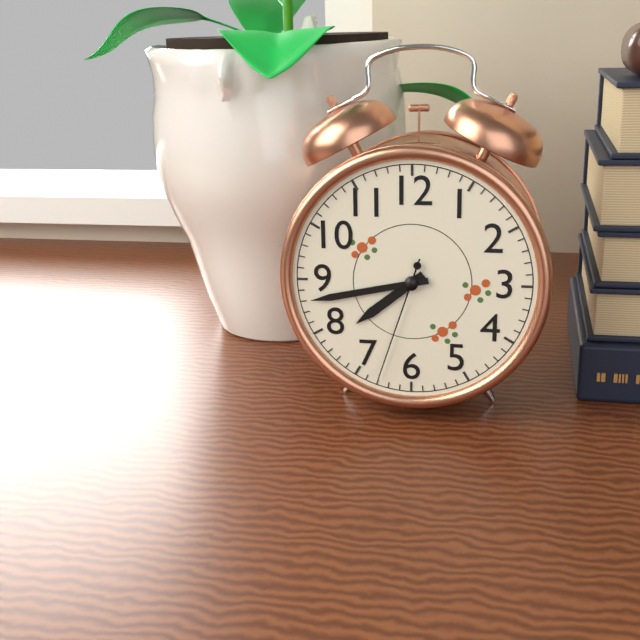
{"hour": 7, "minute": 43, "second": 33}
